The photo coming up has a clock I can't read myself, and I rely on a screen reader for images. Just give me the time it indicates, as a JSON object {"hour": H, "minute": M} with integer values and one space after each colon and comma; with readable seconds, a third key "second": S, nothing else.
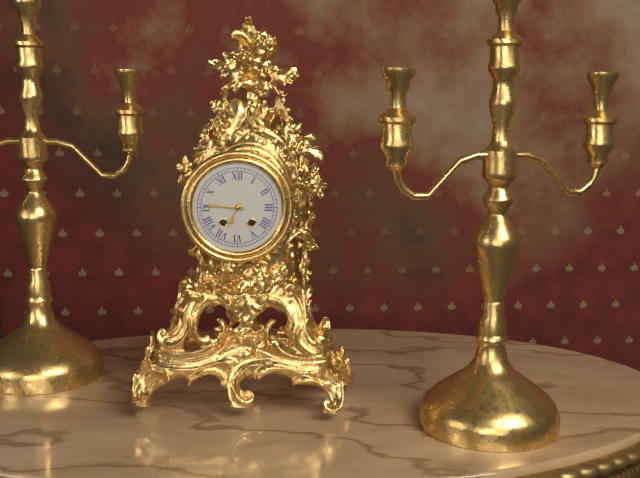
{"hour": 6, "minute": 46}
